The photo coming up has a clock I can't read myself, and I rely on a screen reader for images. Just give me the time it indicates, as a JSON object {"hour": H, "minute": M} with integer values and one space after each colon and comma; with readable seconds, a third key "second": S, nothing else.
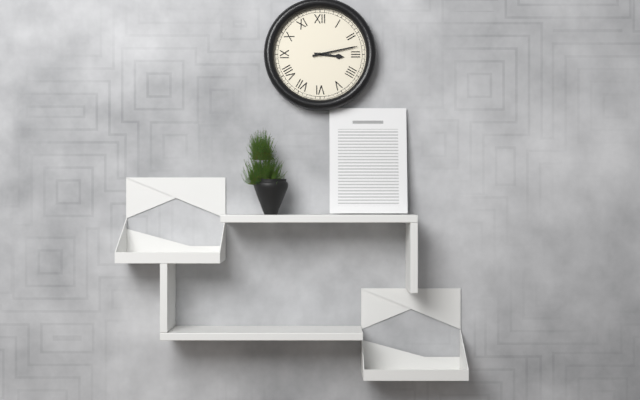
{"hour": 3, "minute": 13}
